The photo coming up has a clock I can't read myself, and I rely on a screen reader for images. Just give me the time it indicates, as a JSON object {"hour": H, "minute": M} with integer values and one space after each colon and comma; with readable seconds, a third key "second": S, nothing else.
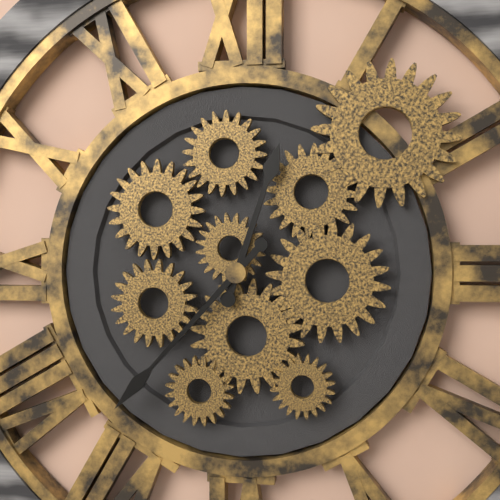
{"hour": 12, "minute": 37}
